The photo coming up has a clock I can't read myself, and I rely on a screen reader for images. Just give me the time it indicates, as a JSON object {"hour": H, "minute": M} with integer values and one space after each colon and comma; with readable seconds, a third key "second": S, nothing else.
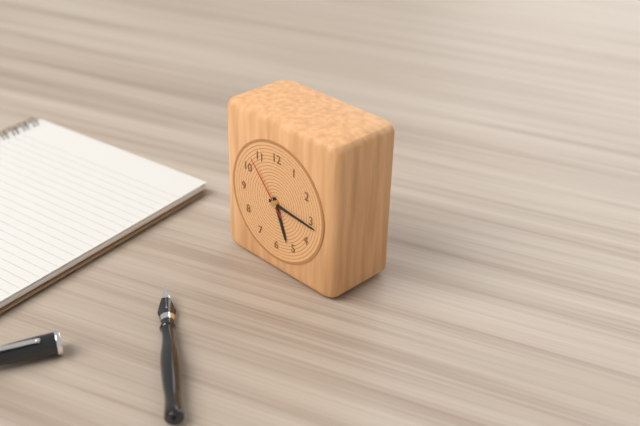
{"hour": 5, "minute": 16, "second": 53}
